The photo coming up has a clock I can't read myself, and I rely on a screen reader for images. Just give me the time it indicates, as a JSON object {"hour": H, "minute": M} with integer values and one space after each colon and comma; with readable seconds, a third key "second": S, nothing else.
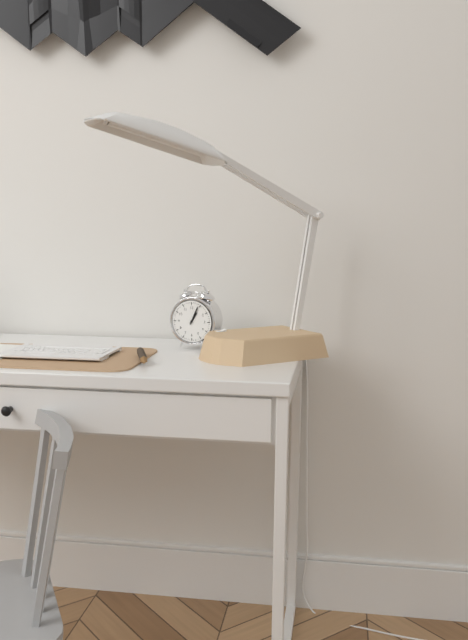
{"hour": 1, "minute": 4}
